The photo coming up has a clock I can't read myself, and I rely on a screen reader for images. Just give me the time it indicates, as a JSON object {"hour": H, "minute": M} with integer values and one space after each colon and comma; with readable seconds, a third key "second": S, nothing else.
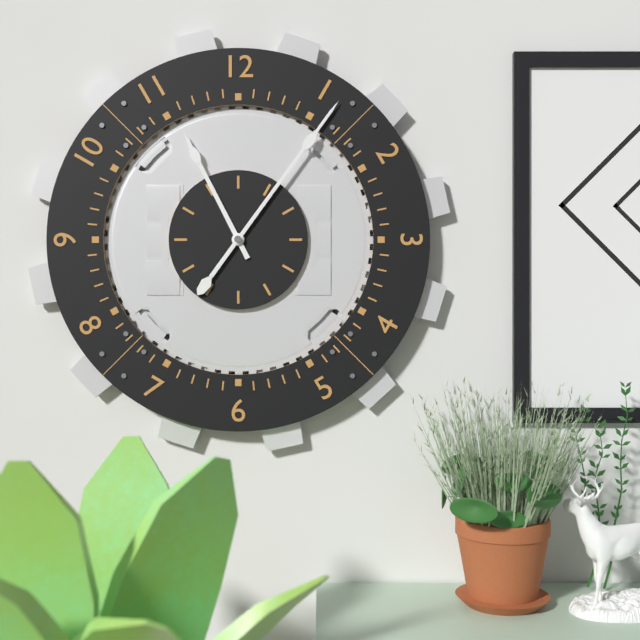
{"hour": 11, "minute": 6}
